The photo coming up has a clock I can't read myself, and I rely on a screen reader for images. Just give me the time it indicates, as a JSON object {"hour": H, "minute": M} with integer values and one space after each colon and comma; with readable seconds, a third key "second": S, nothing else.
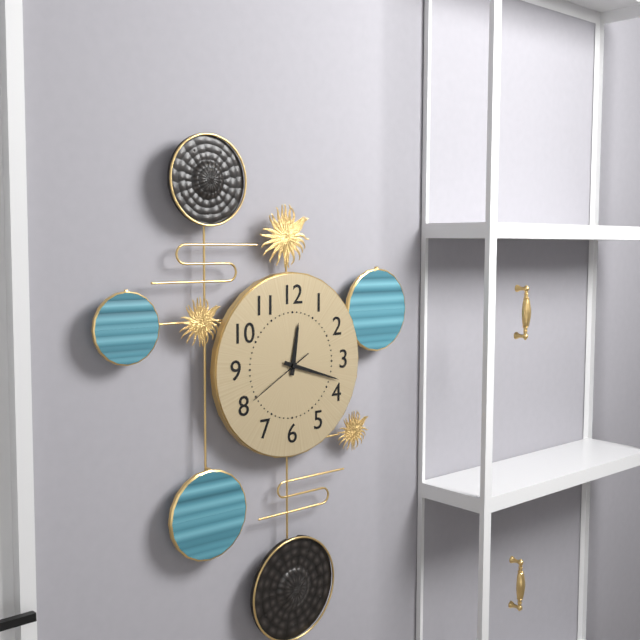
{"hour": 12, "minute": 18, "second": 40}
